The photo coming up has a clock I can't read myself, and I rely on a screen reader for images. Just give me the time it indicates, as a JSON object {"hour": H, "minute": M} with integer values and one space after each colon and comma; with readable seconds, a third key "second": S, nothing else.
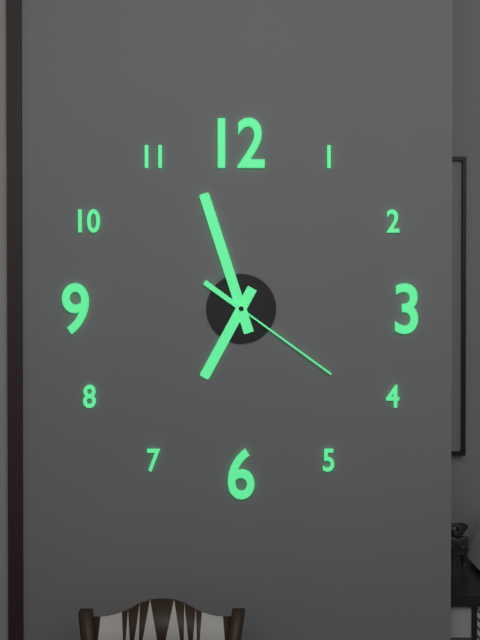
{"hour": 6, "minute": 57, "second": 21}
